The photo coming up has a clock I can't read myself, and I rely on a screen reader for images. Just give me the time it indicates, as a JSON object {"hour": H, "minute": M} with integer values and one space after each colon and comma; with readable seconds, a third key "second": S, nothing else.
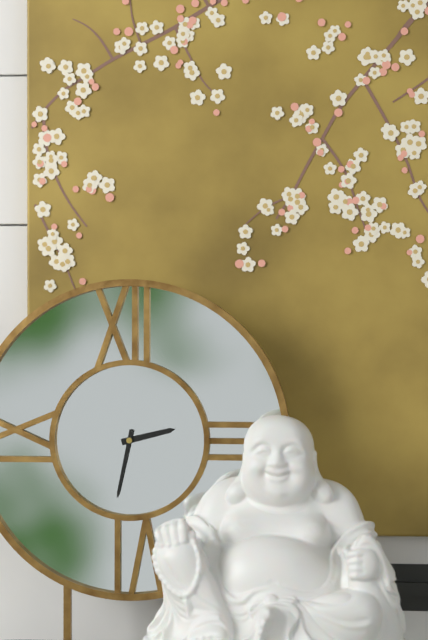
{"hour": 2, "minute": 32}
